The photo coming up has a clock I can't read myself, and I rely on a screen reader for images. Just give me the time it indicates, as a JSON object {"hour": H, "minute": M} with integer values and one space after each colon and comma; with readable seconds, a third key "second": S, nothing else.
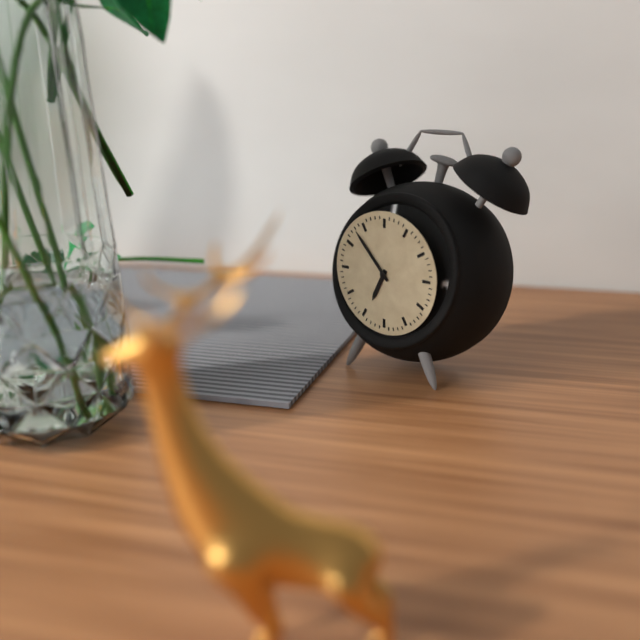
{"hour": 6, "minute": 53}
